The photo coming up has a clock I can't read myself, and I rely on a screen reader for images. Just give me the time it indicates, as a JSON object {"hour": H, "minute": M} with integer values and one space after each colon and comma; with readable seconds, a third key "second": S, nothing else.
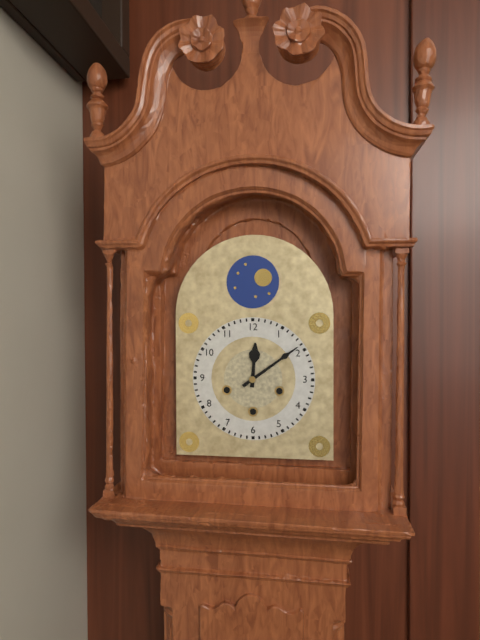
{"hour": 12, "minute": 9}
